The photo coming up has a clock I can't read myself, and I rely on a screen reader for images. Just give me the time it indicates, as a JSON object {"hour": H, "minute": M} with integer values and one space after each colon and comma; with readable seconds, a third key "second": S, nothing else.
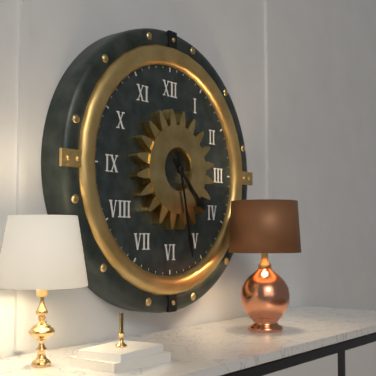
{"hour": 4, "minute": 28}
